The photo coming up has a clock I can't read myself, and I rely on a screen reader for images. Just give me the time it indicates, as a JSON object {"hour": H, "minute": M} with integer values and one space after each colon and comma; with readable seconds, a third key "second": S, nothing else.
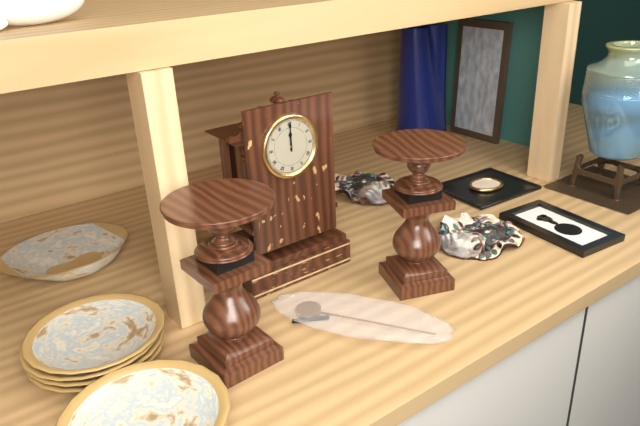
{"hour": 12, "minute": 0}
